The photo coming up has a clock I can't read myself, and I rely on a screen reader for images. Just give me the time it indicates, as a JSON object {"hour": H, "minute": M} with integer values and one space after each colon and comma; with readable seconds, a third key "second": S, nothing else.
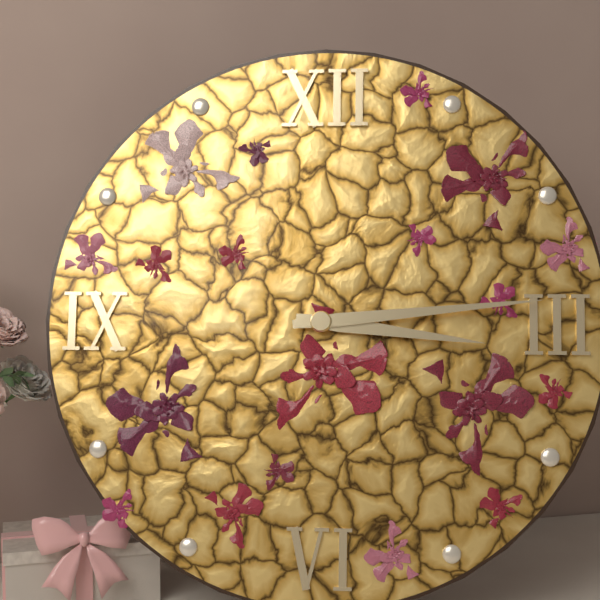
{"hour": 3, "minute": 14}
